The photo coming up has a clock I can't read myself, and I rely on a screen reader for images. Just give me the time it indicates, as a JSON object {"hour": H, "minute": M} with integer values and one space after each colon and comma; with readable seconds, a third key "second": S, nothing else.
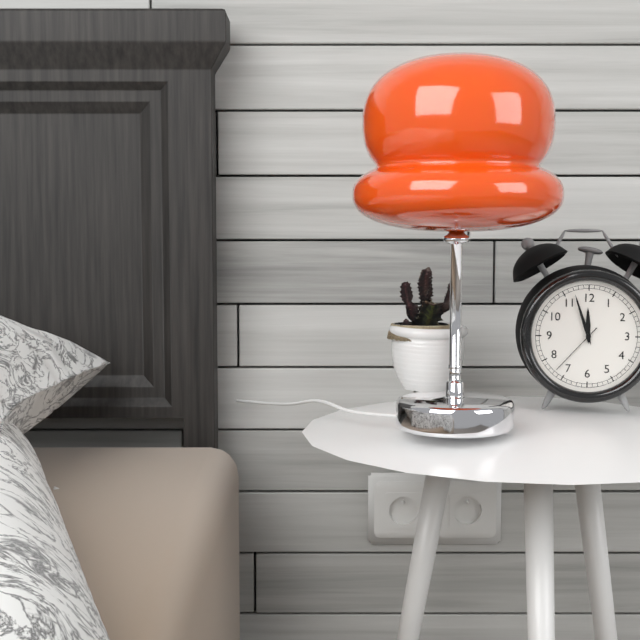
{"hour": 11, "minute": 57, "second": 37}
